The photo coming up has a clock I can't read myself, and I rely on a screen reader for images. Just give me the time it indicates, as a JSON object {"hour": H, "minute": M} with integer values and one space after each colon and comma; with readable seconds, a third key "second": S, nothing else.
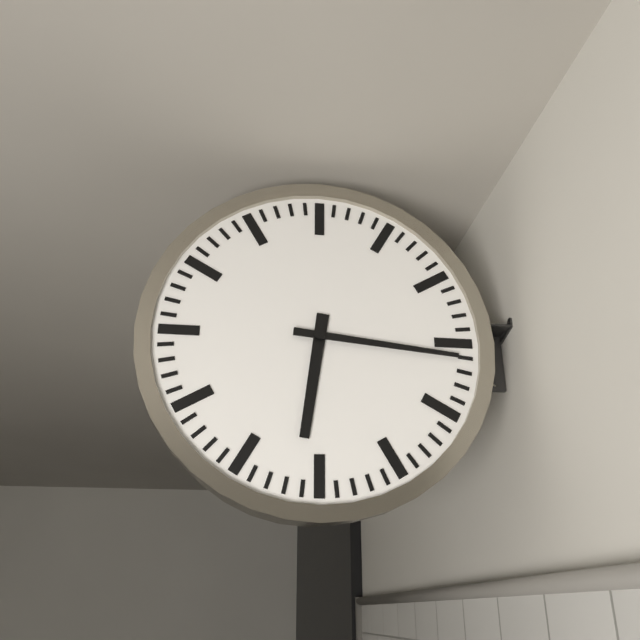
{"hour": 6, "minute": 16}
